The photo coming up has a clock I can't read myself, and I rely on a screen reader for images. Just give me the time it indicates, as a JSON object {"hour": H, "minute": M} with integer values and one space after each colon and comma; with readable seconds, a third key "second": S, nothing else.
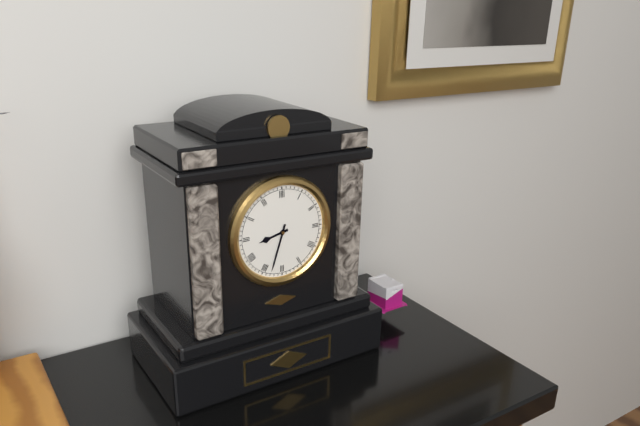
{"hour": 8, "minute": 33}
